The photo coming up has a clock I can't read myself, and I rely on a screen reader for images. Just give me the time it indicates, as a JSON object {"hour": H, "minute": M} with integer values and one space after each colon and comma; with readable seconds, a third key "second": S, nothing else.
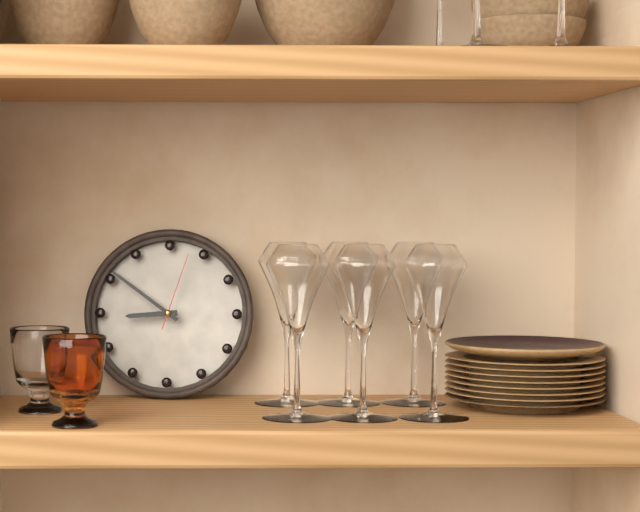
{"hour": 8, "minute": 51, "second": 3}
